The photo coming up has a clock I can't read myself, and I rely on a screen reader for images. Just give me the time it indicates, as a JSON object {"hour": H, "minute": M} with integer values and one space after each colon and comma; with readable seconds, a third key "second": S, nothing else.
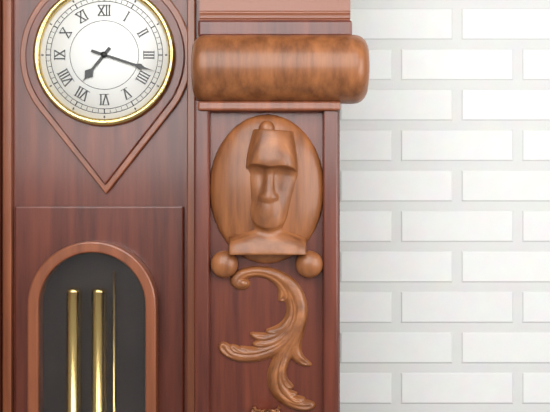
{"hour": 7, "minute": 18}
